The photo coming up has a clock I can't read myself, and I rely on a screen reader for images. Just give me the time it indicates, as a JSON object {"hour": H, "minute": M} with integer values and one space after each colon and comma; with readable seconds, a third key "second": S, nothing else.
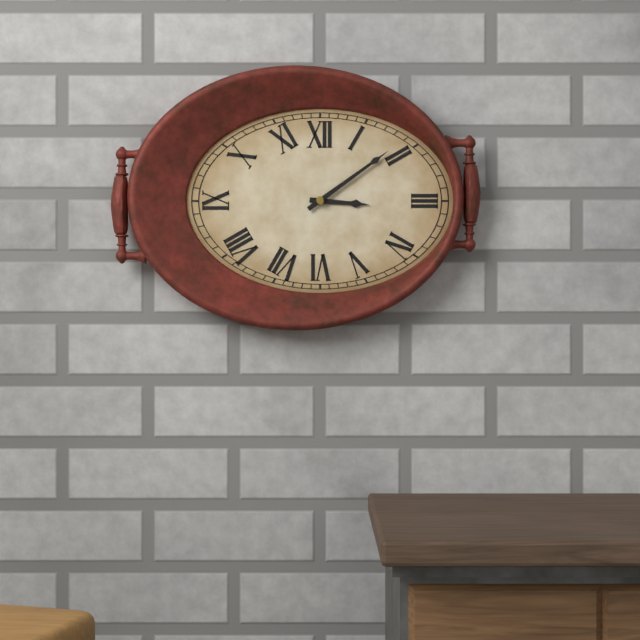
{"hour": 3, "minute": 9}
